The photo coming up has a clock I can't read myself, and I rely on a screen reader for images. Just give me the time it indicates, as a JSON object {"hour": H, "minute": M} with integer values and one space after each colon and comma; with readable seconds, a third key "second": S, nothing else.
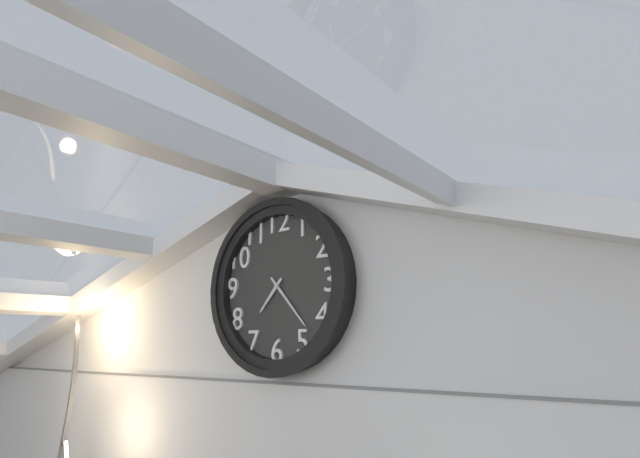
{"hour": 7, "minute": 23}
